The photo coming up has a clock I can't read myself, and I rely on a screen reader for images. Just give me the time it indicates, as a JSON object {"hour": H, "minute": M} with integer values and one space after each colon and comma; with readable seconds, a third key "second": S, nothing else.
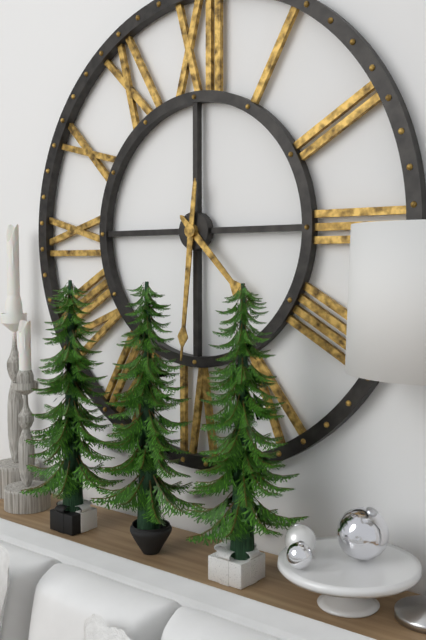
{"hour": 4, "minute": 31}
